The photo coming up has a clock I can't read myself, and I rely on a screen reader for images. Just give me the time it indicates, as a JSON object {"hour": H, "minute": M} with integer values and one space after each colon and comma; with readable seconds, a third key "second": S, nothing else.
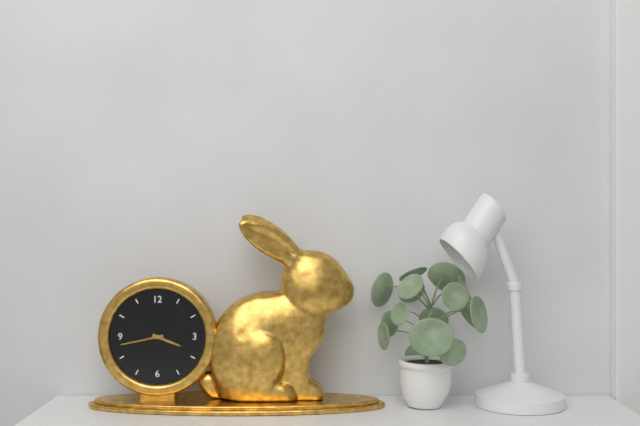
{"hour": 3, "minute": 43}
